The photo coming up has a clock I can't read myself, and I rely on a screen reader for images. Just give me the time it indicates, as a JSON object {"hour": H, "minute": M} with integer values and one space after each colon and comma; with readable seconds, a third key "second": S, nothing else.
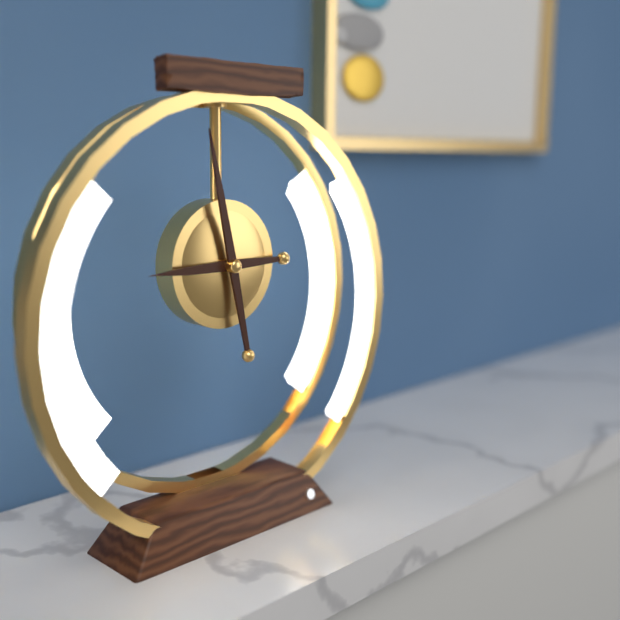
{"hour": 8, "minute": 58}
